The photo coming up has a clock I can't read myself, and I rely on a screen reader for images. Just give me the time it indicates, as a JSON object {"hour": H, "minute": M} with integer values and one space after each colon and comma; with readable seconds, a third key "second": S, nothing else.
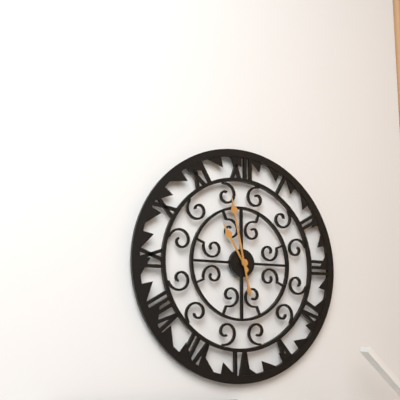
{"hour": 10, "minute": 58}
